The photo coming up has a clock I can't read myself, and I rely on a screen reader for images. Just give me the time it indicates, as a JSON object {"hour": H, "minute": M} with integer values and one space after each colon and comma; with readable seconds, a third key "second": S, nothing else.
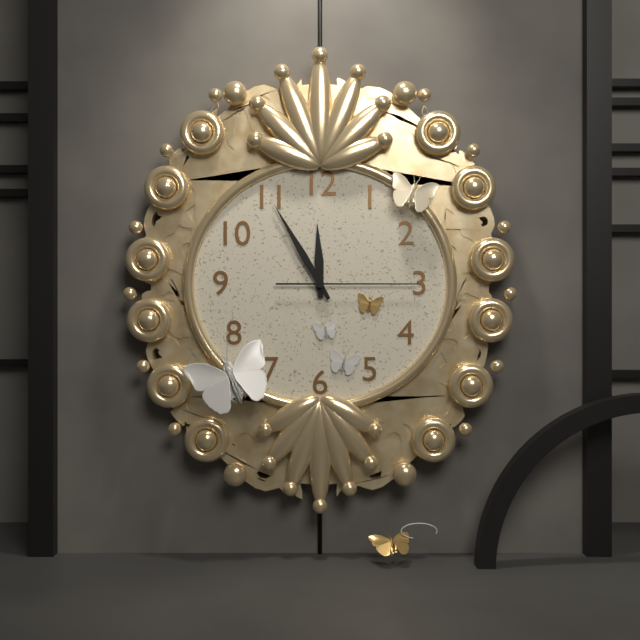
{"hour": 11, "minute": 55, "second": 15}
